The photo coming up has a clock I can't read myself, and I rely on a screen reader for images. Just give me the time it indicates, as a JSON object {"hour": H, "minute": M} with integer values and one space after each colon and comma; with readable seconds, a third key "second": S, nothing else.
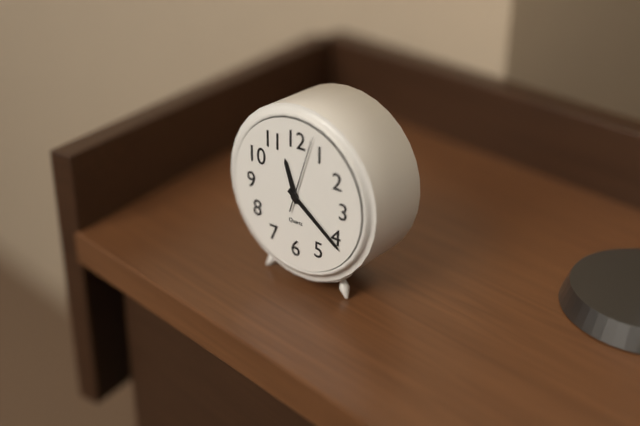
{"hour": 11, "minute": 21, "second": 3}
